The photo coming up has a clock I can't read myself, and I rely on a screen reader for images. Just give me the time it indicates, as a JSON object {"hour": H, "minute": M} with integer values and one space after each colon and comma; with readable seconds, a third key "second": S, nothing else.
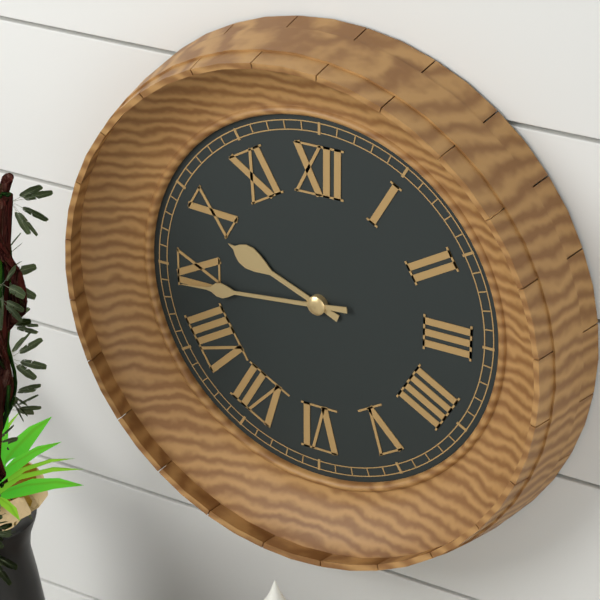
{"hour": 9, "minute": 44}
